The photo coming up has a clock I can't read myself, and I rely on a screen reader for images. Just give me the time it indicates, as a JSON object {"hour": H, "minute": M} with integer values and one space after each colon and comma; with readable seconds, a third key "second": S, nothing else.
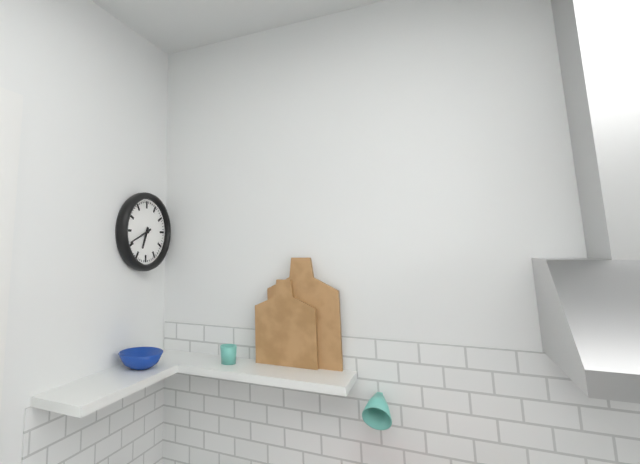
{"hour": 6, "minute": 41}
